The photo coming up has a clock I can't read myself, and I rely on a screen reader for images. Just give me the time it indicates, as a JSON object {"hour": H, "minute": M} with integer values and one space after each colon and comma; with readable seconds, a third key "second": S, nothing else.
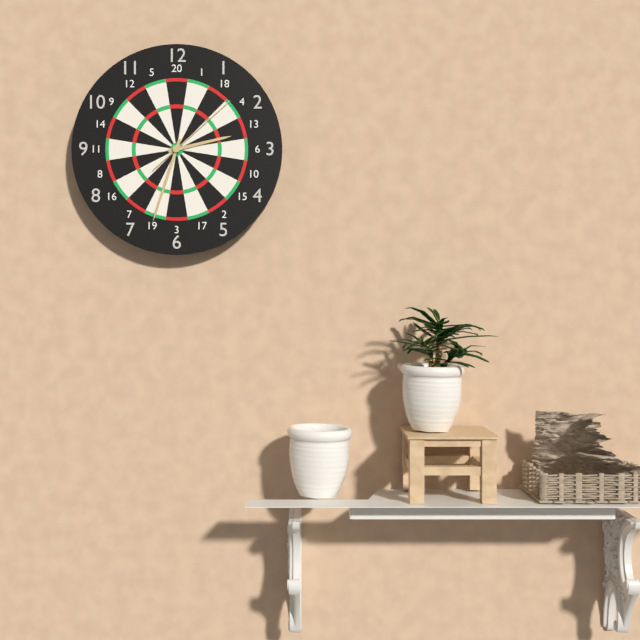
{"hour": 2, "minute": 33, "second": 8}
